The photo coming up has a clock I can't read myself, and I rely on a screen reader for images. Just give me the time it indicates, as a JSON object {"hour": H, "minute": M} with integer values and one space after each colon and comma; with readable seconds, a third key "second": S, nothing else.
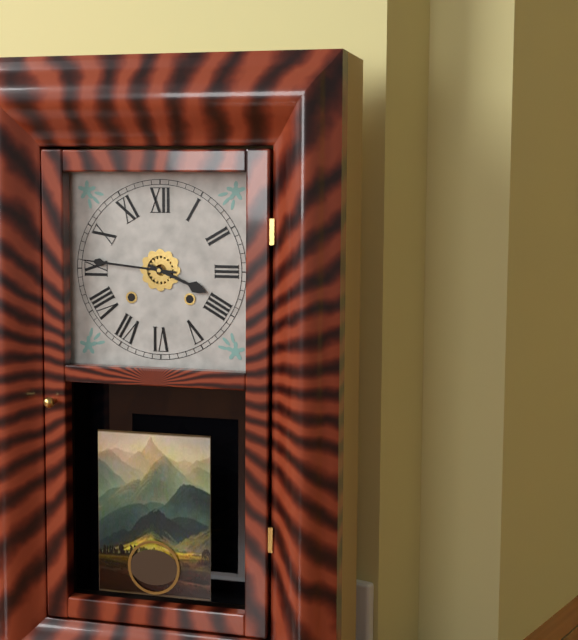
{"hour": 3, "minute": 46}
